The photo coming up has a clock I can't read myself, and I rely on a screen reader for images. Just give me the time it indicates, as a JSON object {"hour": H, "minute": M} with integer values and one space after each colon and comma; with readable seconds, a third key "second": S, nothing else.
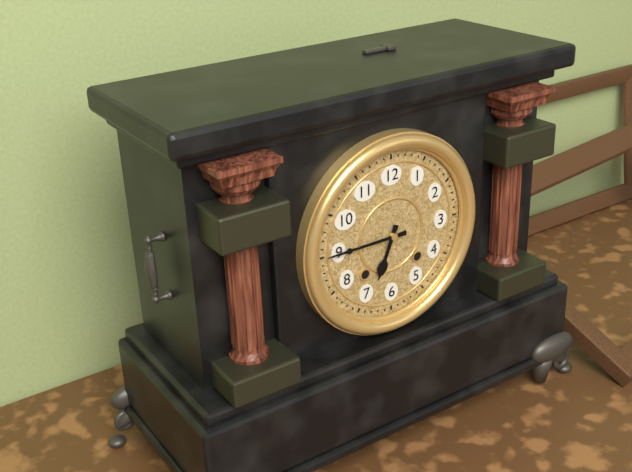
{"hour": 6, "minute": 45}
